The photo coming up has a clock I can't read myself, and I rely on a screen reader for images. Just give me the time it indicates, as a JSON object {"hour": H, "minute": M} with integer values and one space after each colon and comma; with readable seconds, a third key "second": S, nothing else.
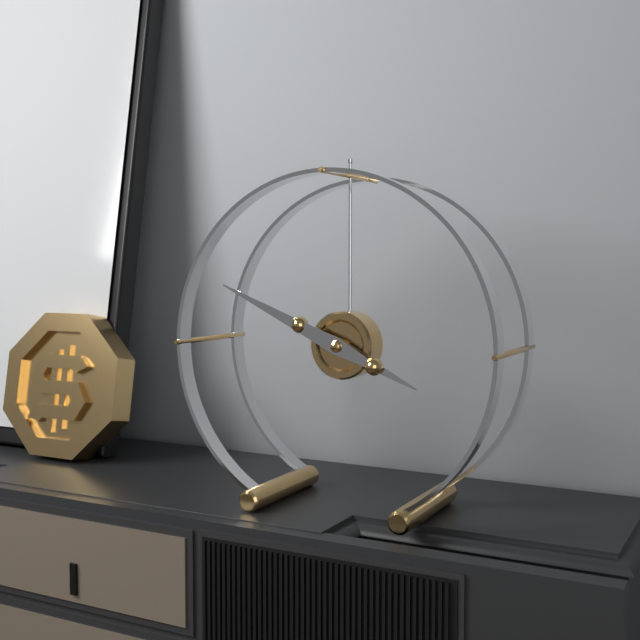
{"hour": 3, "minute": 49}
